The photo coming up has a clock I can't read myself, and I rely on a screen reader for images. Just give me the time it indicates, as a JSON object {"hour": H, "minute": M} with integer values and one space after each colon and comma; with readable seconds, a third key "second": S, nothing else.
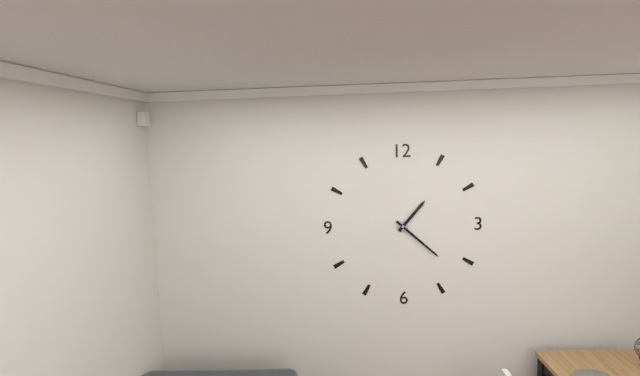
{"hour": 1, "minute": 22}
